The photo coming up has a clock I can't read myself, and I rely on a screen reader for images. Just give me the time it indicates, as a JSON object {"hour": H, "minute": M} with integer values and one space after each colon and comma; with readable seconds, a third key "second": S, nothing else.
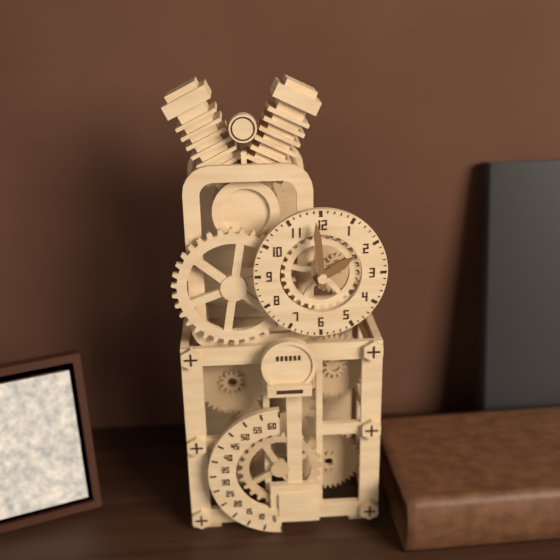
{"hour": 1, "minute": 59}
